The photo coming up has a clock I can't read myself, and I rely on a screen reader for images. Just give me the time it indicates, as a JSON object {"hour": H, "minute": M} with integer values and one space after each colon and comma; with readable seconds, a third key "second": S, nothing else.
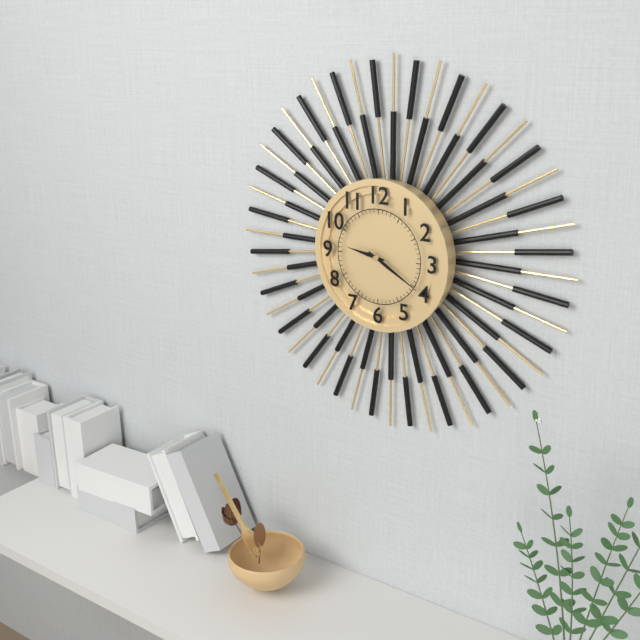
{"hour": 9, "minute": 20}
